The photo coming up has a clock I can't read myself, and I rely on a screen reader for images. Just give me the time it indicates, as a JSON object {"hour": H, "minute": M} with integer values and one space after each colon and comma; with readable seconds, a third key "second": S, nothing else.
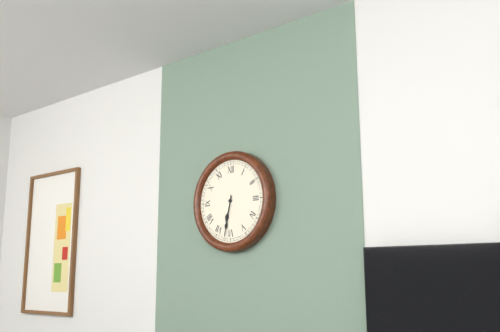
{"hour": 6, "minute": 32}
